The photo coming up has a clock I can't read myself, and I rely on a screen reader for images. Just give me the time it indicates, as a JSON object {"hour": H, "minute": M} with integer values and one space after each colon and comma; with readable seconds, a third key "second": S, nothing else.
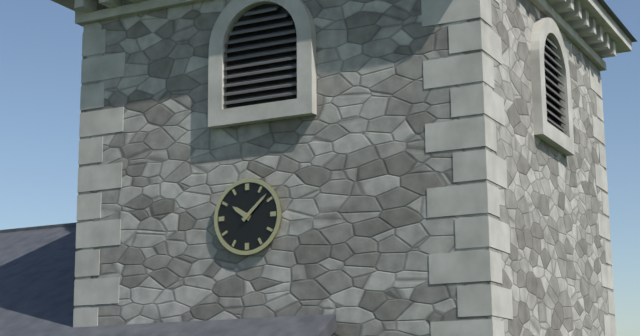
{"hour": 10, "minute": 8}
